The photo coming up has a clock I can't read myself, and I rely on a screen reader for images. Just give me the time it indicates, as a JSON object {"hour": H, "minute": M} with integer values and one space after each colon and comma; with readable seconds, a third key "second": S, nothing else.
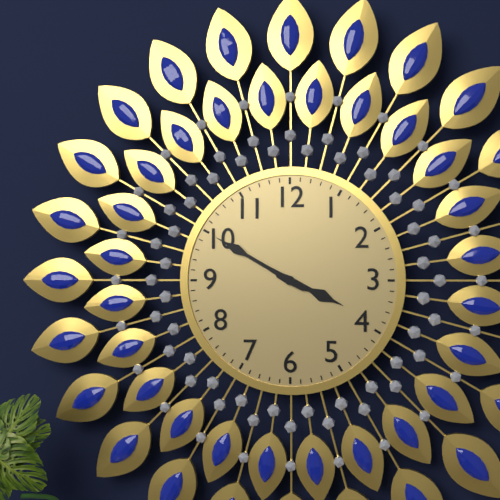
{"hour": 3, "minute": 50}
